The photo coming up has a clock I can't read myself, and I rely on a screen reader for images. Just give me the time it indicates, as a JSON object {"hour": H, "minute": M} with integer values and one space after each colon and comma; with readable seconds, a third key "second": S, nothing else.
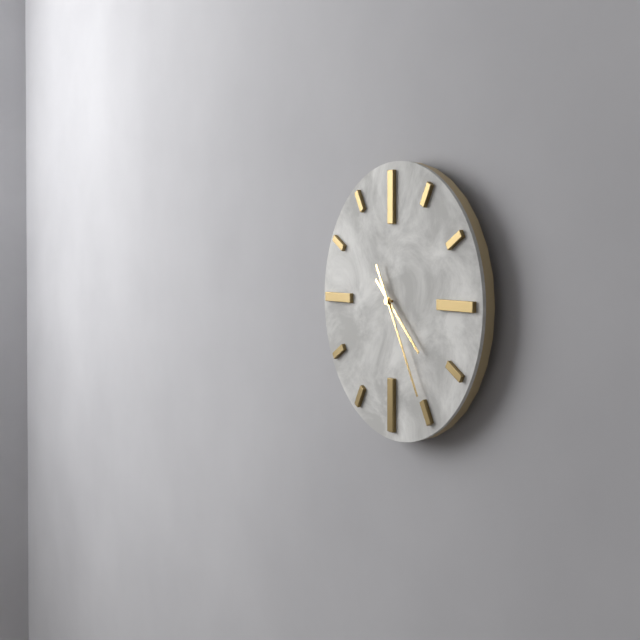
{"hour": 4, "minute": 25}
